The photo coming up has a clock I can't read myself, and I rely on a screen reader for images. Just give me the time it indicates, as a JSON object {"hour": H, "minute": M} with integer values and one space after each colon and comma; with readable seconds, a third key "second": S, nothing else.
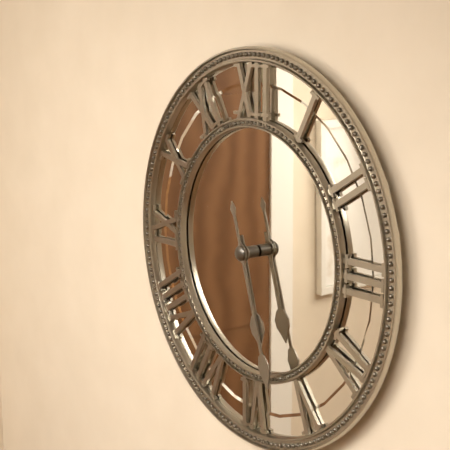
{"hour": 5, "minute": 27}
